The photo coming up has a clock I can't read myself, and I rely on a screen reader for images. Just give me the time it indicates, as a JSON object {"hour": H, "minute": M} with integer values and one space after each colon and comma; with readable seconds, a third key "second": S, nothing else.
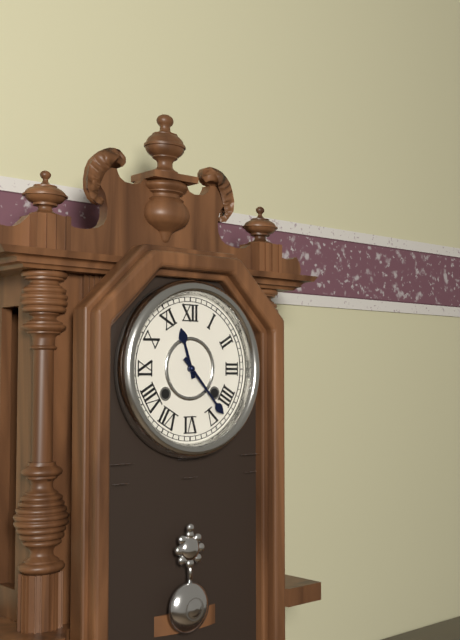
{"hour": 11, "minute": 23}
